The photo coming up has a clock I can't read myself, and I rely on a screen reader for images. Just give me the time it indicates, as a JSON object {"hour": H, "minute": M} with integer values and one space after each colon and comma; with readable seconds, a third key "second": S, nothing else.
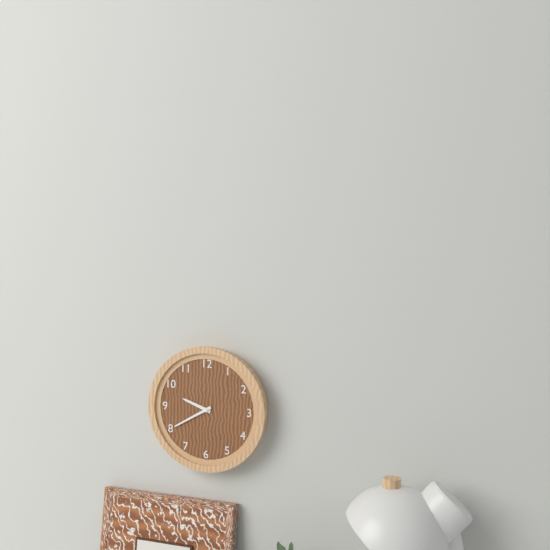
{"hour": 9, "minute": 40}
